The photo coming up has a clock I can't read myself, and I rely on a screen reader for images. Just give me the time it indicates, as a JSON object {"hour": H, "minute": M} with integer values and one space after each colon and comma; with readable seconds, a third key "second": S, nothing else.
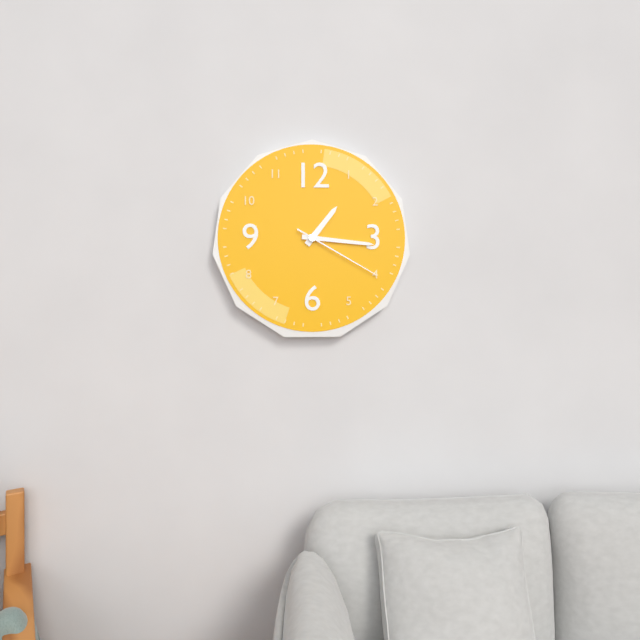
{"hour": 1, "minute": 16, "second": 20}
